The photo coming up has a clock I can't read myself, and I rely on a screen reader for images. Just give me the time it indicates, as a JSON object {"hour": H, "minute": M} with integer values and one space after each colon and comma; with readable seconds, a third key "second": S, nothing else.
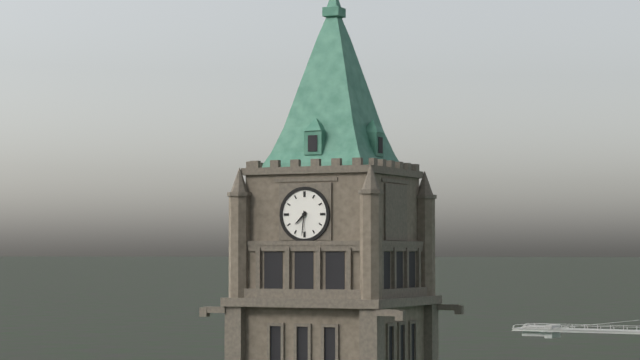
{"hour": 7, "minute": 31}
